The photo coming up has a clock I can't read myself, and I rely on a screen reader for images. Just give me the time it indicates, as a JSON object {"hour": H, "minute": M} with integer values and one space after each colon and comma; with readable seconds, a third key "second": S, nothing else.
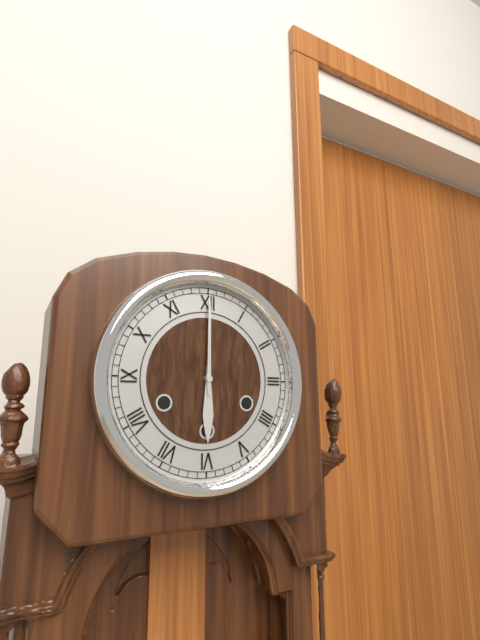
{"hour": 6, "minute": 0}
